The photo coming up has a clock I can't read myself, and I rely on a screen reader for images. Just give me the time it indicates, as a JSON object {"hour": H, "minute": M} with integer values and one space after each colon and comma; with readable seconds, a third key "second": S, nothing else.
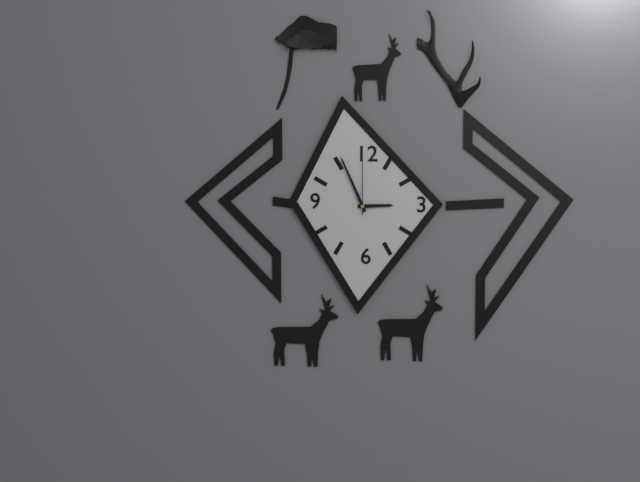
{"hour": 2, "minute": 56, "second": 0}
